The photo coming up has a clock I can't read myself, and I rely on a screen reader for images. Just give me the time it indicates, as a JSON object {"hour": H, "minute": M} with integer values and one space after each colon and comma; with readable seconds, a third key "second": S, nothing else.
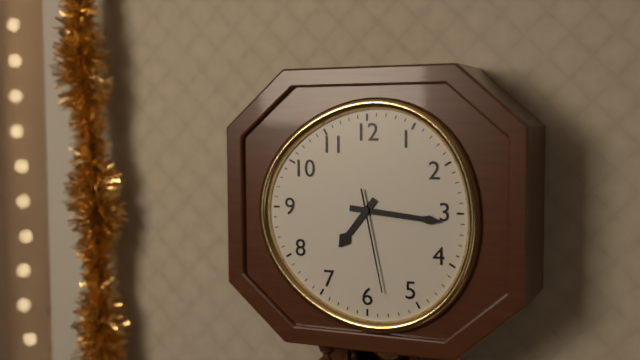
{"hour": 7, "minute": 16, "second": 28}
